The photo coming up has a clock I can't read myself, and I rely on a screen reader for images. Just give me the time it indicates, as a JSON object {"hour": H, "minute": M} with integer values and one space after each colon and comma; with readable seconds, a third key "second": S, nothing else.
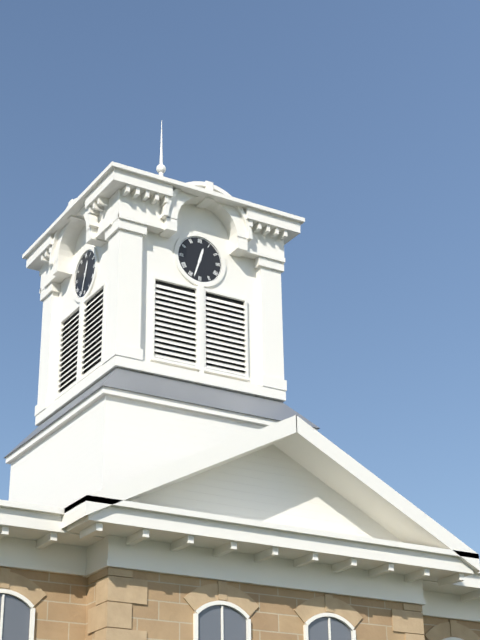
{"hour": 12, "minute": 33}
